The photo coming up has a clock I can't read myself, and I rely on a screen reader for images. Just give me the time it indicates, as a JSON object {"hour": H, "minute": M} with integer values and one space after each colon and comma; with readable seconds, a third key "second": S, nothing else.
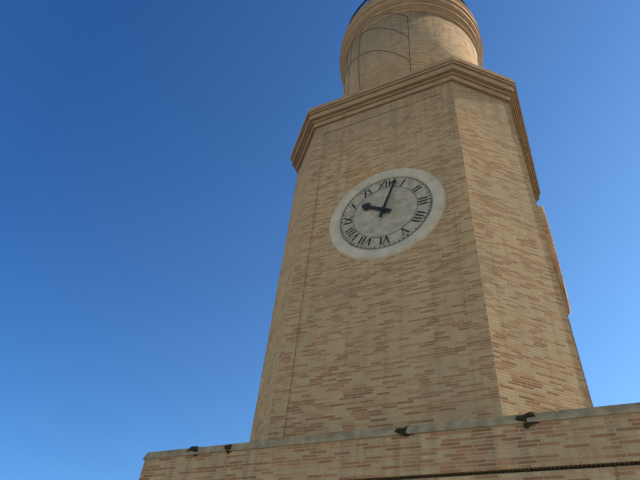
{"hour": 10, "minute": 3}
